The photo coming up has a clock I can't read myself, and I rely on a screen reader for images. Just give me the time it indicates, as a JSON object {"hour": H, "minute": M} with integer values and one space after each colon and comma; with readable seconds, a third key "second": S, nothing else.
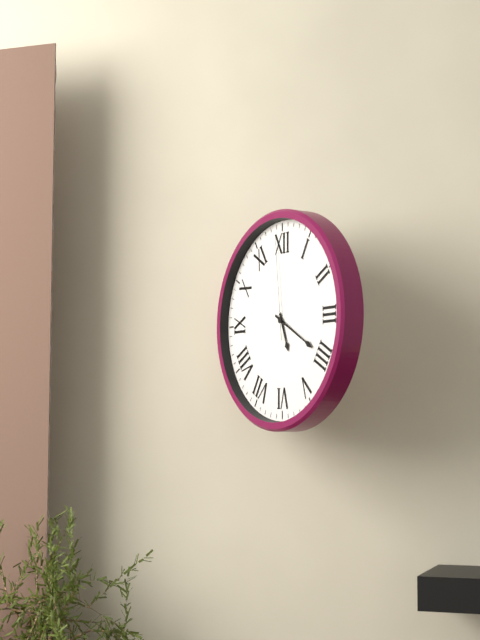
{"hour": 5, "minute": 20, "second": 59}
